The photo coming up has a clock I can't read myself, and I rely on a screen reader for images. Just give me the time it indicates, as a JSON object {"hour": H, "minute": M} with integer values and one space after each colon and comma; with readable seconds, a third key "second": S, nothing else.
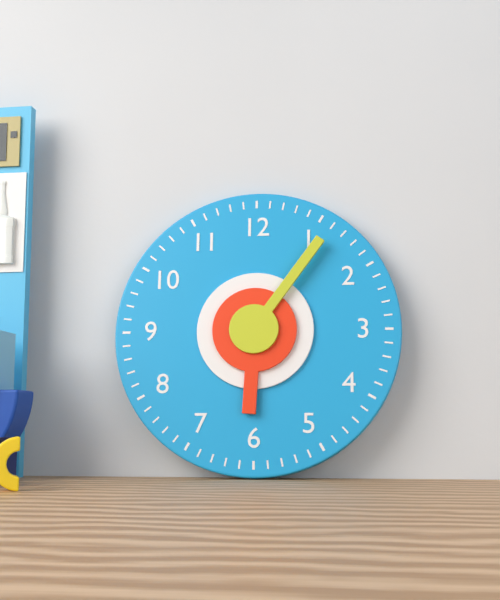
{"hour": 6, "minute": 6}
